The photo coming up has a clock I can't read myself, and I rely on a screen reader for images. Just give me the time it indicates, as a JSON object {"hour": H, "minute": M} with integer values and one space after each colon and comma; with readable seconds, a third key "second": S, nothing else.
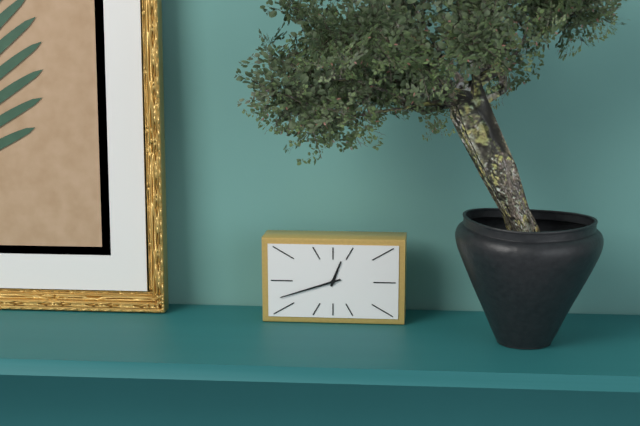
{"hour": 12, "minute": 42}
